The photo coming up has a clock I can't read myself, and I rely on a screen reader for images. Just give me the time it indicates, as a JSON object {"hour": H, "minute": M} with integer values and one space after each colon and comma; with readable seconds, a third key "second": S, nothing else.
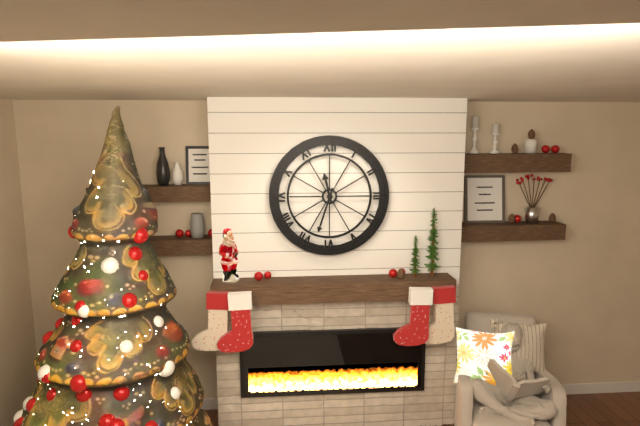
{"hour": 11, "minute": 33}
